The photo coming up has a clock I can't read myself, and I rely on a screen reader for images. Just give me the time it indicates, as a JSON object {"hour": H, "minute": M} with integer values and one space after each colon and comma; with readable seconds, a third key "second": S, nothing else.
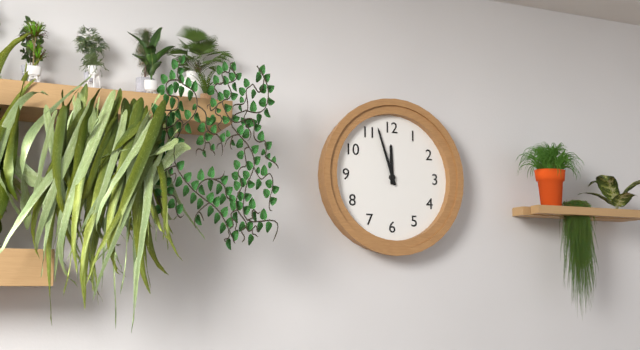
{"hour": 11, "minute": 57}
